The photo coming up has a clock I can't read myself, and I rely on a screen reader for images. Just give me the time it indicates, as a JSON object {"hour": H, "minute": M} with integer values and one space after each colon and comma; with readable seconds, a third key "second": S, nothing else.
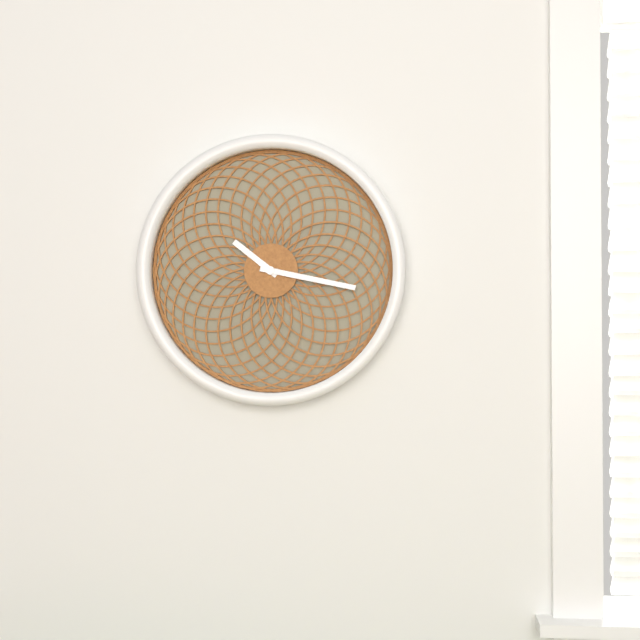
{"hour": 10, "minute": 17}
